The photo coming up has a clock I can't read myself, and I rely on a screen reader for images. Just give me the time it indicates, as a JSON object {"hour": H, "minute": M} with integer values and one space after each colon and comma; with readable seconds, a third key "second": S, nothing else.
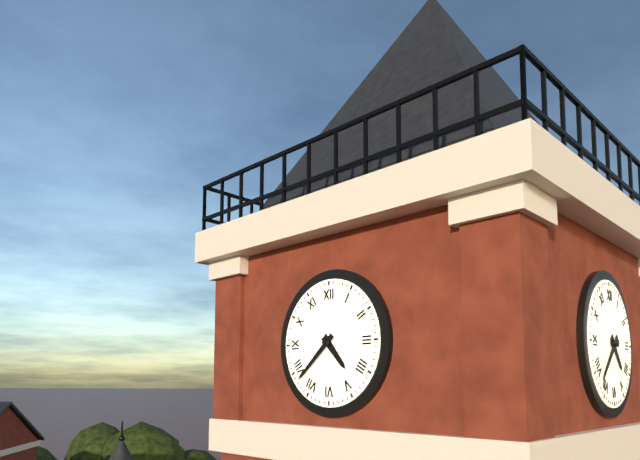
{"hour": 4, "minute": 38}
